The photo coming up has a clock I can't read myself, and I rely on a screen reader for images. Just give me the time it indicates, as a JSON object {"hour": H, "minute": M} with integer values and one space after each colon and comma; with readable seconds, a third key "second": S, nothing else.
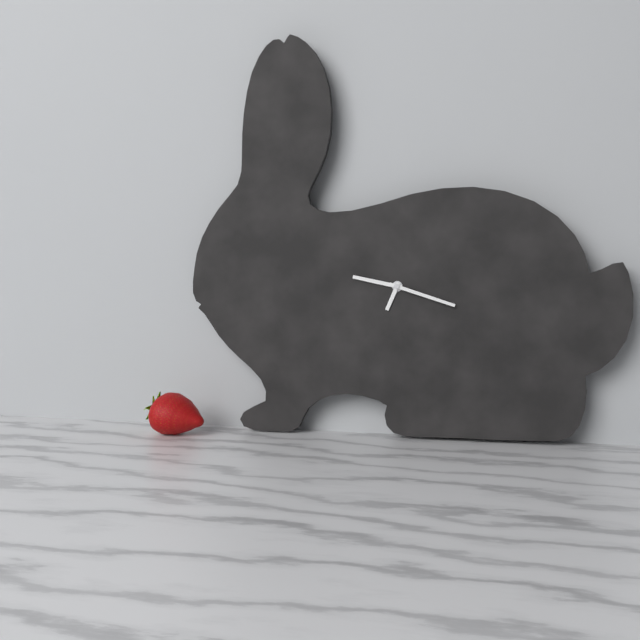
{"hour": 6, "minute": 47, "second": 18}
